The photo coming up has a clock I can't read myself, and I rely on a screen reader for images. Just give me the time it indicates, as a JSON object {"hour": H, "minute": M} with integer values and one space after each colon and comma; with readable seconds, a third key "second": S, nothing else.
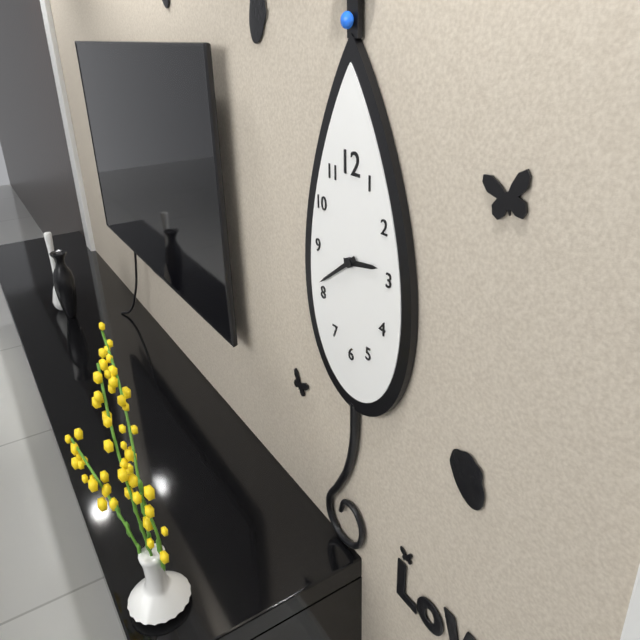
{"hour": 2, "minute": 39}
